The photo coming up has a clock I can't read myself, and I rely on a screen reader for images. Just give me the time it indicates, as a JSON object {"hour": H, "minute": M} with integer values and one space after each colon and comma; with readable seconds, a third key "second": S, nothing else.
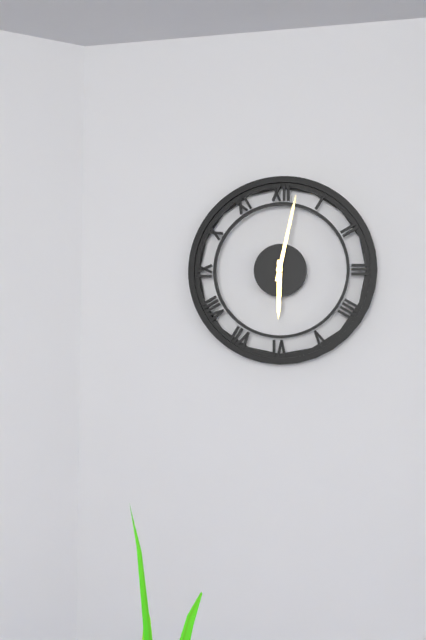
{"hour": 6, "minute": 2}
